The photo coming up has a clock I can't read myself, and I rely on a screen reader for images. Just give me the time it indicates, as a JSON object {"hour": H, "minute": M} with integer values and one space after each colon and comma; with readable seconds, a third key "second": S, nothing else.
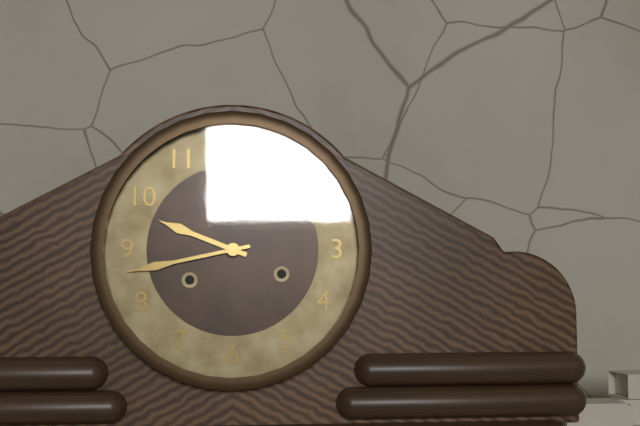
{"hour": 9, "minute": 43}
